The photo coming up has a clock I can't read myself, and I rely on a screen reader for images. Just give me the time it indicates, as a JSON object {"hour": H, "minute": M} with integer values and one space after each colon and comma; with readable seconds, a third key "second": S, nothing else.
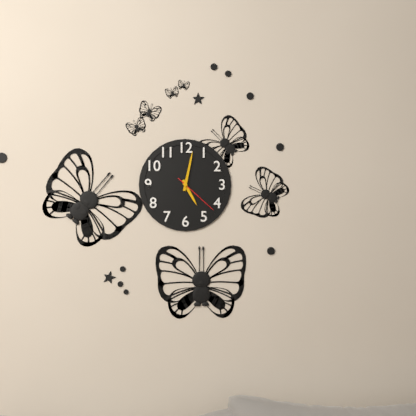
{"hour": 5, "minute": 2}
